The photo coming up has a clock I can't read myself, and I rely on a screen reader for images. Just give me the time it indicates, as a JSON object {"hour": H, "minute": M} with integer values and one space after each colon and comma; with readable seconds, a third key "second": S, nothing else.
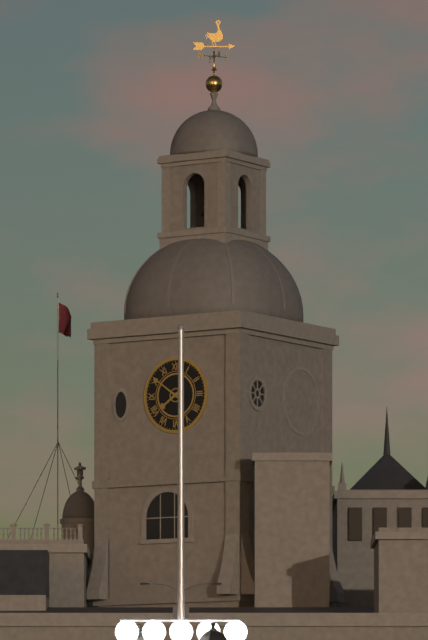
{"hour": 7, "minute": 51}
